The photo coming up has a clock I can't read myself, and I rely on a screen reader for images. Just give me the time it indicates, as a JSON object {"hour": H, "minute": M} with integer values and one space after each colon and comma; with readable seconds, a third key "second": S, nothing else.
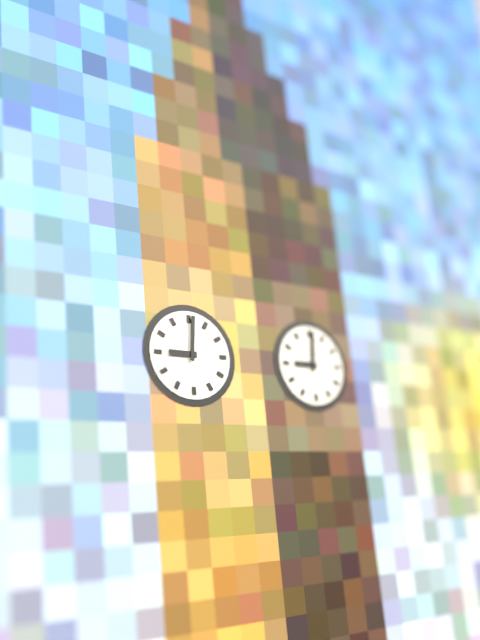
{"hour": 9, "minute": 1}
